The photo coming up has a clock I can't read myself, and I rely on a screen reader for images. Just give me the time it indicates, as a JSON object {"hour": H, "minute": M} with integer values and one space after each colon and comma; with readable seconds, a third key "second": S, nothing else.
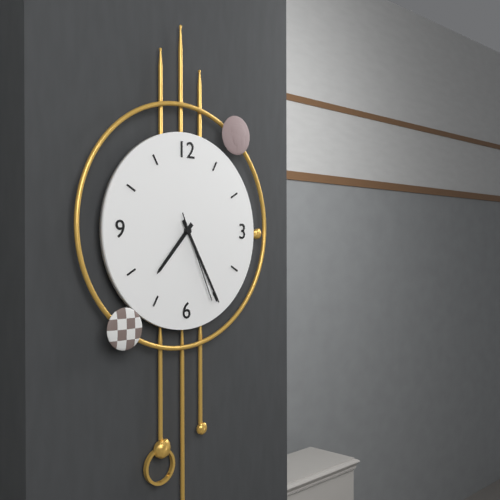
{"hour": 7, "minute": 25, "second": 26}
